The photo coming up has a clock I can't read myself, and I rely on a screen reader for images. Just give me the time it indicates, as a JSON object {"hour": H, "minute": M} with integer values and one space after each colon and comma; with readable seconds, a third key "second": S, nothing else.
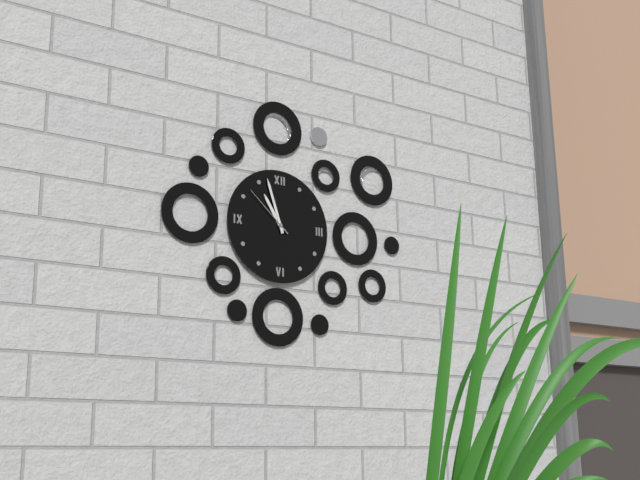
{"hour": 10, "minute": 57, "second": 52}
